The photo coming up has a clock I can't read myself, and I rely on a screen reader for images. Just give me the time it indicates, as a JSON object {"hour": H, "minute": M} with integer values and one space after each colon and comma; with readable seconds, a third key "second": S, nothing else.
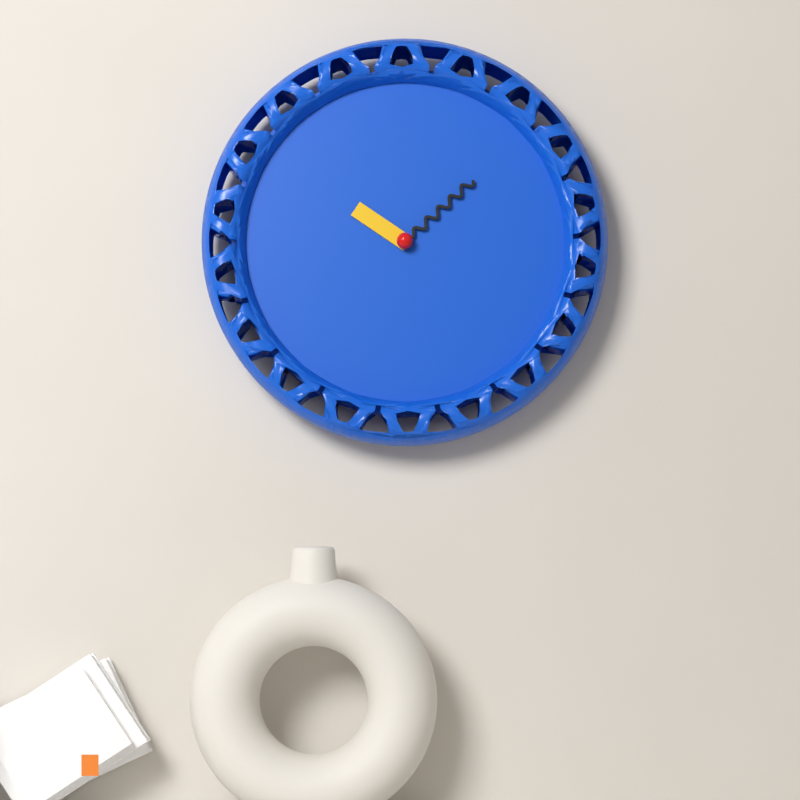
{"hour": 10, "minute": 8}
